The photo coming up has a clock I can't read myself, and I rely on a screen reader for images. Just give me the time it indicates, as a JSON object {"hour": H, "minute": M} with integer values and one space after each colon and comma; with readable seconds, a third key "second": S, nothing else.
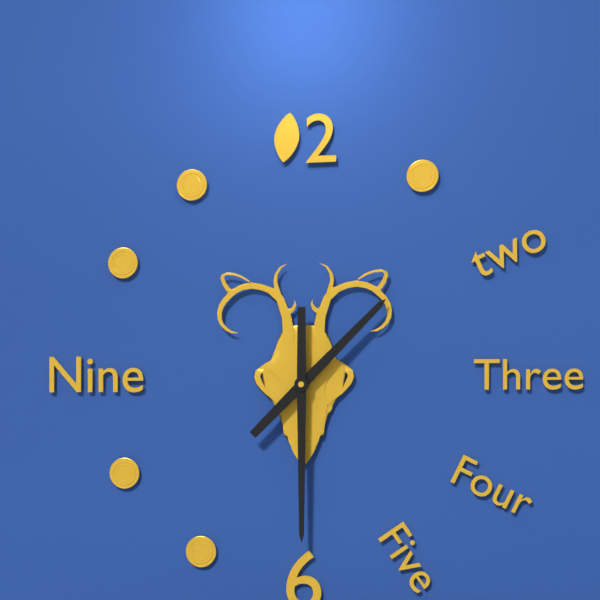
{"hour": 1, "minute": 30}
